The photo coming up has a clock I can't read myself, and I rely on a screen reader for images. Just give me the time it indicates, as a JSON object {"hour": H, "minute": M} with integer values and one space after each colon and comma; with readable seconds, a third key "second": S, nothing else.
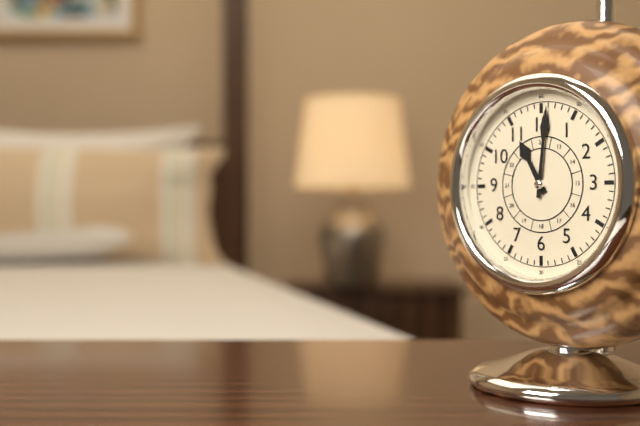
{"hour": 11, "minute": 1}
